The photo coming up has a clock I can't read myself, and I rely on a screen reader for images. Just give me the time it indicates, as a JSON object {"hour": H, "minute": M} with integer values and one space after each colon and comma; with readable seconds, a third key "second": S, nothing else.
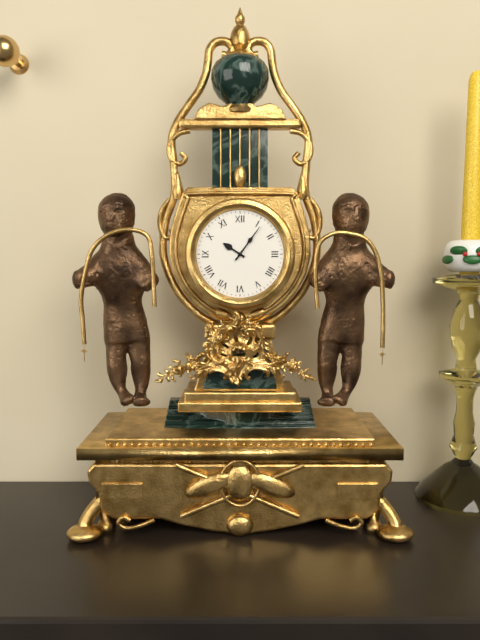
{"hour": 10, "minute": 6}
